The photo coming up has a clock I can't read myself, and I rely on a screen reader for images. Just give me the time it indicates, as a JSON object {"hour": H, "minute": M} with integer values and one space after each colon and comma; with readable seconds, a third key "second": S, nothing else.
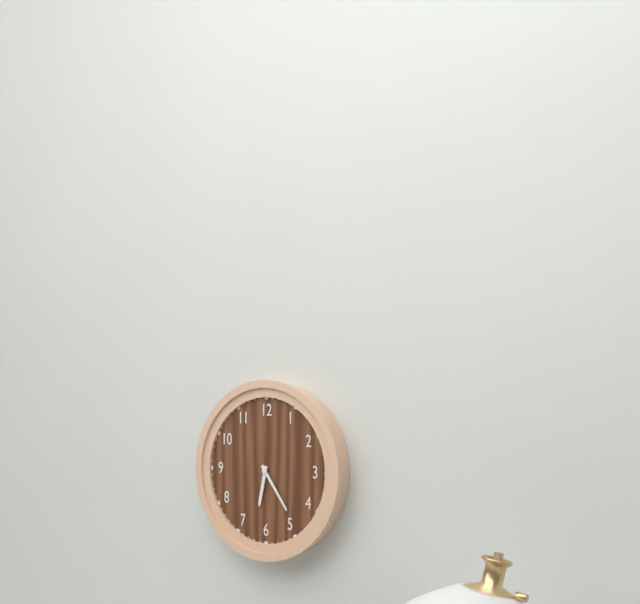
{"hour": 6, "minute": 24}
